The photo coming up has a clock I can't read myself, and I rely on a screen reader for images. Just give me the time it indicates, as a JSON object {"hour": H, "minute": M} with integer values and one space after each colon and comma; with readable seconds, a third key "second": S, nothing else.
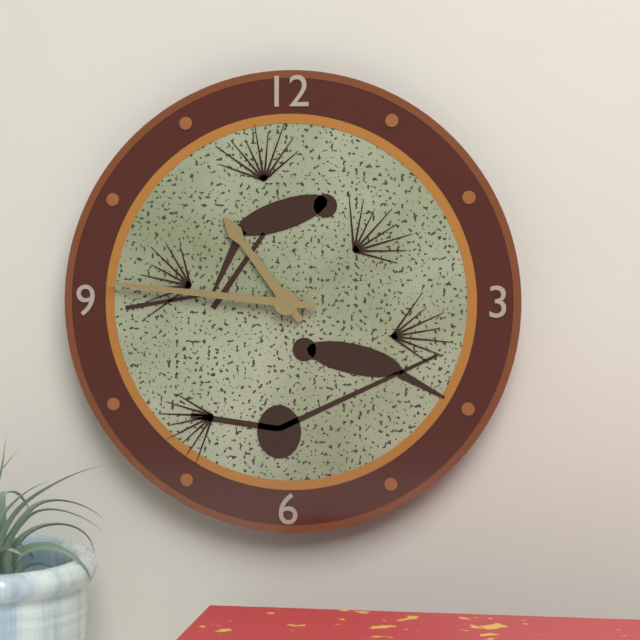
{"hour": 10, "minute": 46}
